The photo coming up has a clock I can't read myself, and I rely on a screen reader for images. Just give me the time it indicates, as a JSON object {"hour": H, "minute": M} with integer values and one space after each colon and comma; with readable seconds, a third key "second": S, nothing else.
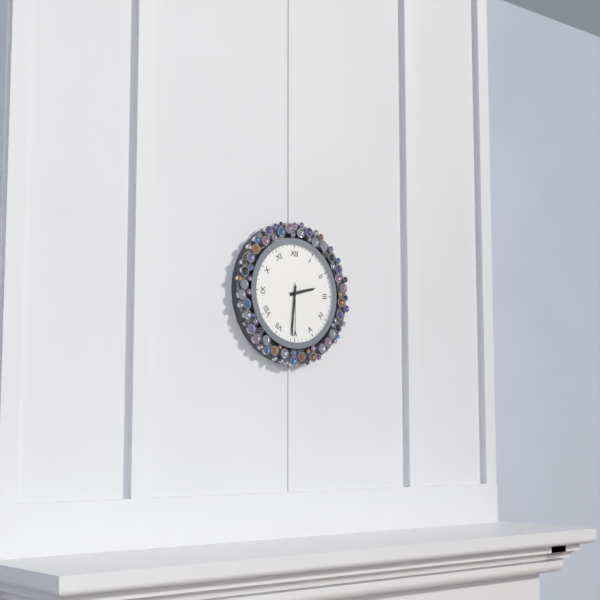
{"hour": 2, "minute": 31, "second": 30}
